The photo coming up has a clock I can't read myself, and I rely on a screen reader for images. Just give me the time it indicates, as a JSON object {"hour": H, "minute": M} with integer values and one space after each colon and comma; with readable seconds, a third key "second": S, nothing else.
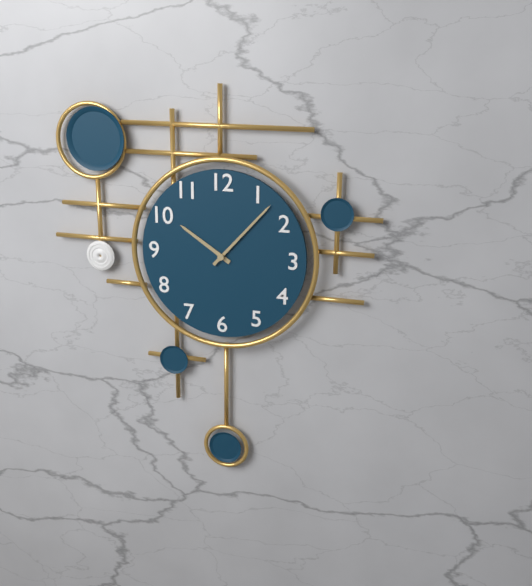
{"hour": 10, "minute": 7}
